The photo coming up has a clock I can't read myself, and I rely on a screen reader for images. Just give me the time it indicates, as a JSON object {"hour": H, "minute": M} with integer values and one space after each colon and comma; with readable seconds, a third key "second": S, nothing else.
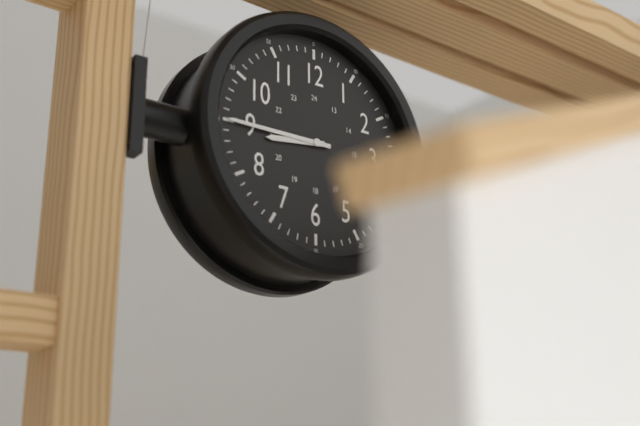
{"hour": 8, "minute": 45}
